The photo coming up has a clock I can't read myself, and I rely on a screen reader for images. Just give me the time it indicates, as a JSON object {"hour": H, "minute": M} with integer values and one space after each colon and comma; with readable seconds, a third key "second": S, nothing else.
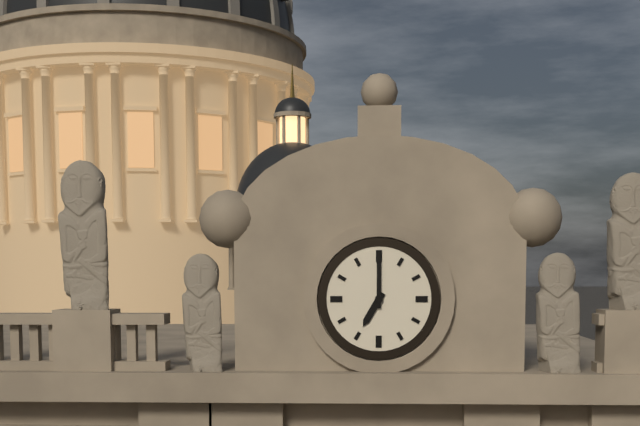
{"hour": 7, "minute": 0}
